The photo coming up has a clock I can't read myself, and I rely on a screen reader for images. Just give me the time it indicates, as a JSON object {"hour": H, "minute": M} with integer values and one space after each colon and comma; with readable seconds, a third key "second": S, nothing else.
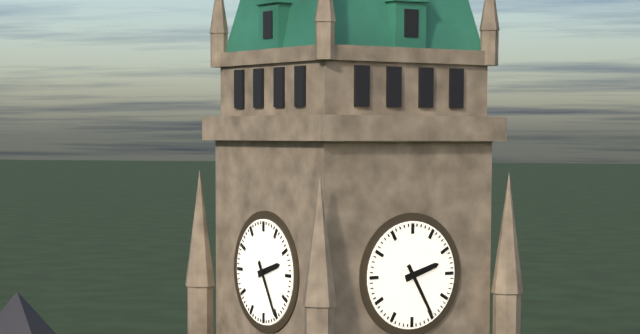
{"hour": 2, "minute": 25}
